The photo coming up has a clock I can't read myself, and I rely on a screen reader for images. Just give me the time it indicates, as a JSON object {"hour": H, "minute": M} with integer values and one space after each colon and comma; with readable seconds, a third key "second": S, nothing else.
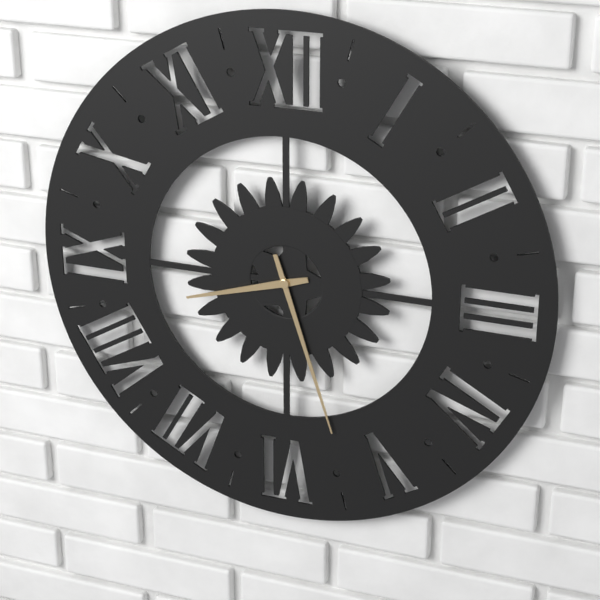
{"hour": 8, "minute": 27}
